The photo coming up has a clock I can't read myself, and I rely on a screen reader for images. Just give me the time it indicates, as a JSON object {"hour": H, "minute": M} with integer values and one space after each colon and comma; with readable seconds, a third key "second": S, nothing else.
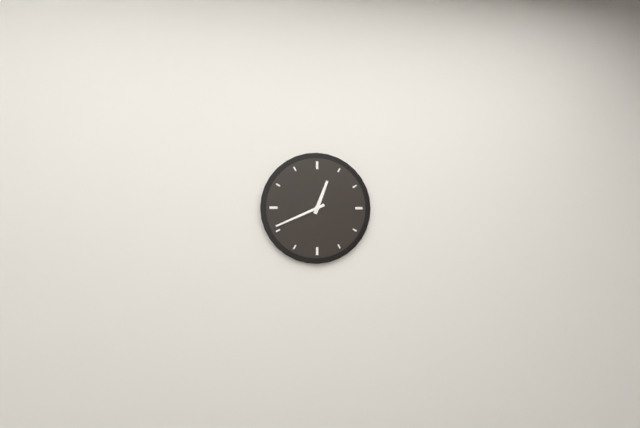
{"hour": 12, "minute": 41}
